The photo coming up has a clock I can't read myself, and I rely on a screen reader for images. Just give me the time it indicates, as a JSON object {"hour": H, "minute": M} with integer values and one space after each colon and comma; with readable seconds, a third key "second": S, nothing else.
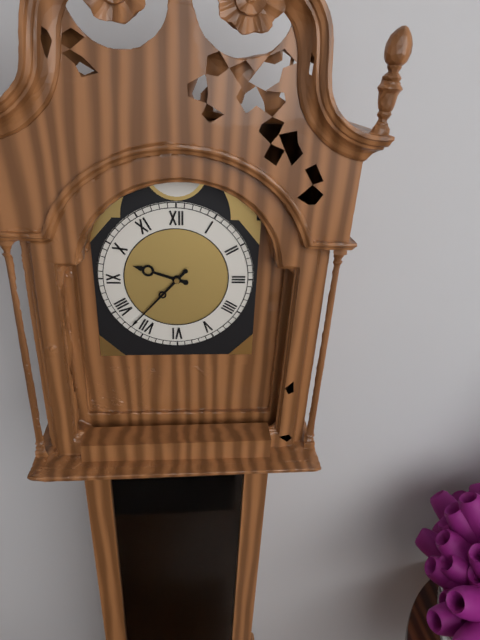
{"hour": 9, "minute": 37}
